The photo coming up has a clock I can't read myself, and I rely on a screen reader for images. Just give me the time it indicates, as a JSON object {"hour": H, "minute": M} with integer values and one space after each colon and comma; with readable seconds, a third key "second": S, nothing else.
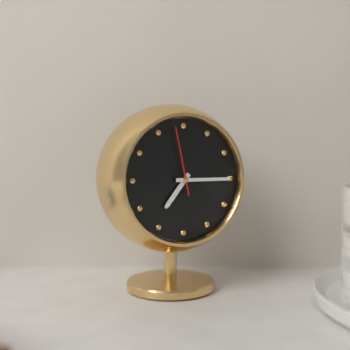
{"hour": 7, "minute": 15, "second": 58}
